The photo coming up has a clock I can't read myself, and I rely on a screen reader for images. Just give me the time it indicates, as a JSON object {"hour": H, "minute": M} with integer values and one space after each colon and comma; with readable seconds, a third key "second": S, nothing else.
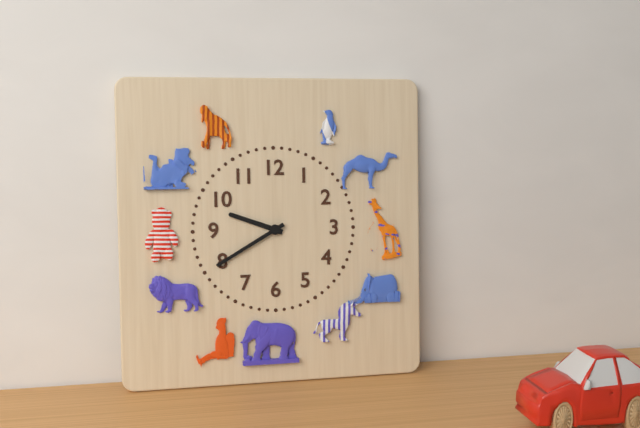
{"hour": 9, "minute": 40}
